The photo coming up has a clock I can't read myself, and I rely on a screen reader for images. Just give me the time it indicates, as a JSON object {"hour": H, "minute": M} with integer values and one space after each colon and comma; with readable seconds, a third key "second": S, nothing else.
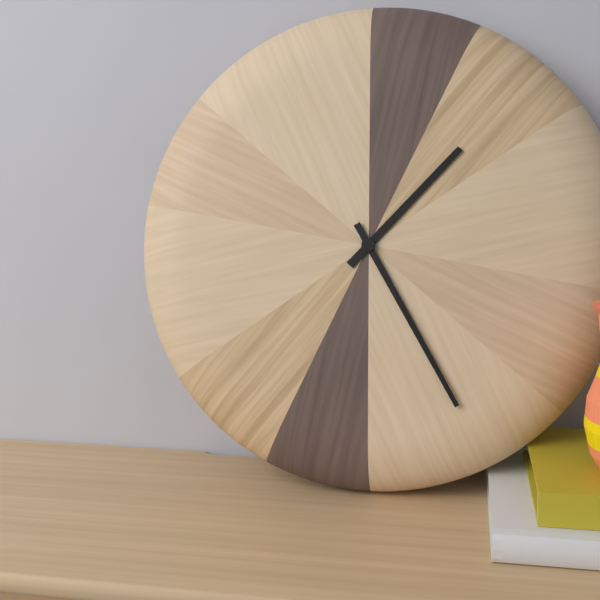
{"hour": 1, "minute": 25}
